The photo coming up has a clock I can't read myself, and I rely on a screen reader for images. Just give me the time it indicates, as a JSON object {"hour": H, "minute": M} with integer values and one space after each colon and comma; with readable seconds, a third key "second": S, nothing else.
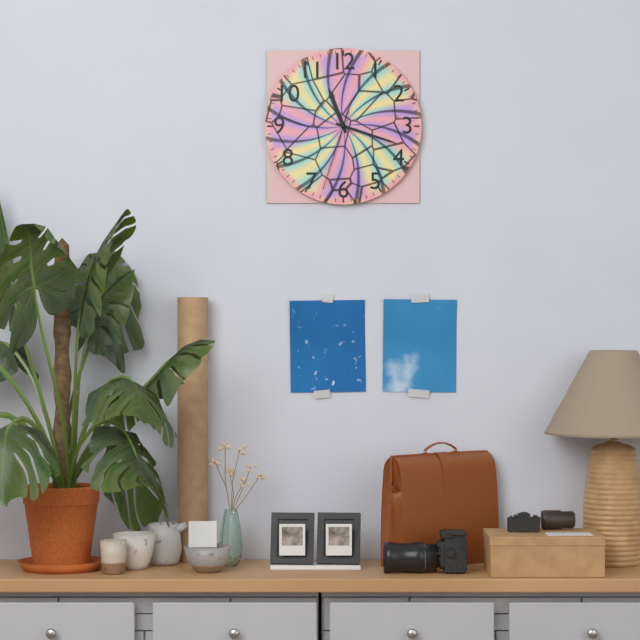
{"hour": 11, "minute": 18, "second": 33}
